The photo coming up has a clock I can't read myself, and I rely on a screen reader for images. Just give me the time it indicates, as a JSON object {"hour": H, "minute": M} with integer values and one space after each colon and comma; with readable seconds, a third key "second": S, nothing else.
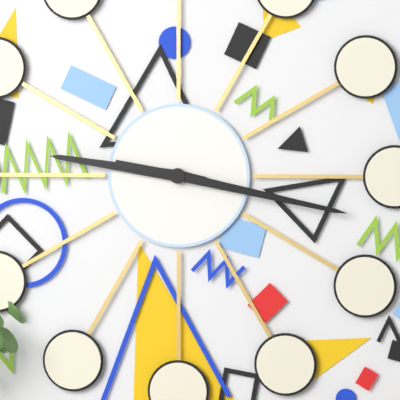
{"hour": 9, "minute": 17}
